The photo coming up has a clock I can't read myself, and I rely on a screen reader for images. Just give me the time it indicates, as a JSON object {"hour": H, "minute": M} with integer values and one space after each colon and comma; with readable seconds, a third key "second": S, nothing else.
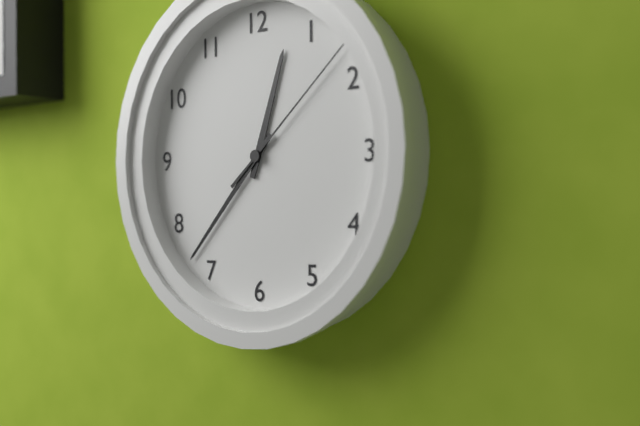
{"hour": 12, "minute": 37, "second": 8}
